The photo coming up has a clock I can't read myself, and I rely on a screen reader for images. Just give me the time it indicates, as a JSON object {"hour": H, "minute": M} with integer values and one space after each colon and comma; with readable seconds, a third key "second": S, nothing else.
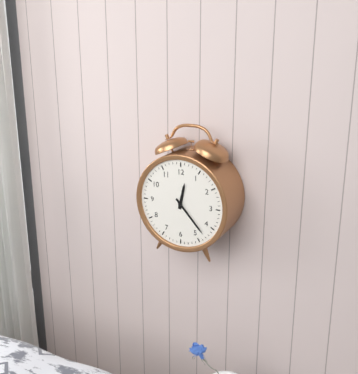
{"hour": 12, "minute": 23}
